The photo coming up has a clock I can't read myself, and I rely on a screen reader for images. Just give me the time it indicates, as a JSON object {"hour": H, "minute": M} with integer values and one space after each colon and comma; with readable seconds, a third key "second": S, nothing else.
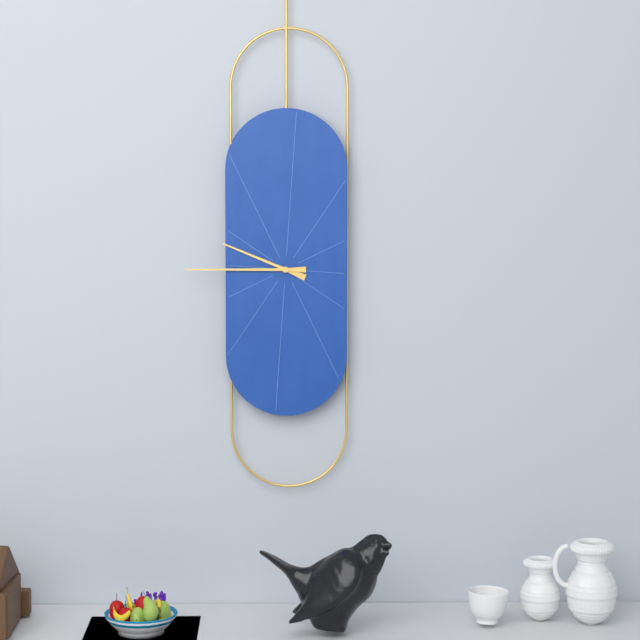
{"hour": 9, "minute": 45}
